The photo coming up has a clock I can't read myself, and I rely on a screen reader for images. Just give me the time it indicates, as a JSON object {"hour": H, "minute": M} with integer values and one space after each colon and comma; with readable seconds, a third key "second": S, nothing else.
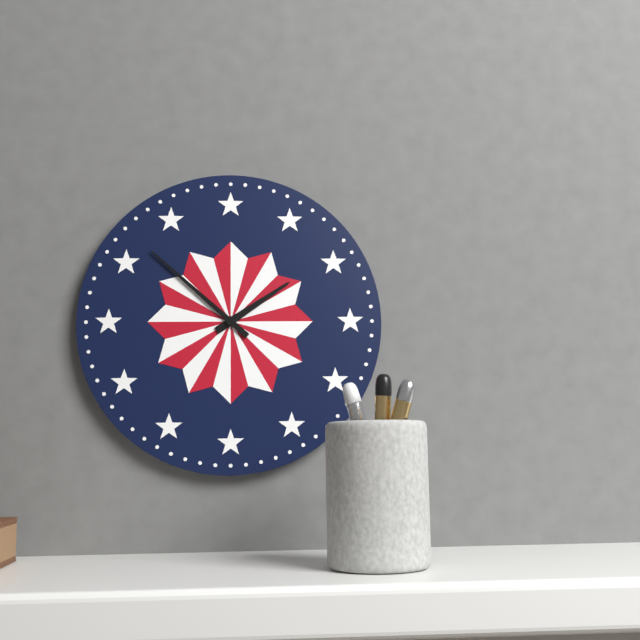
{"hour": 1, "minute": 52}
